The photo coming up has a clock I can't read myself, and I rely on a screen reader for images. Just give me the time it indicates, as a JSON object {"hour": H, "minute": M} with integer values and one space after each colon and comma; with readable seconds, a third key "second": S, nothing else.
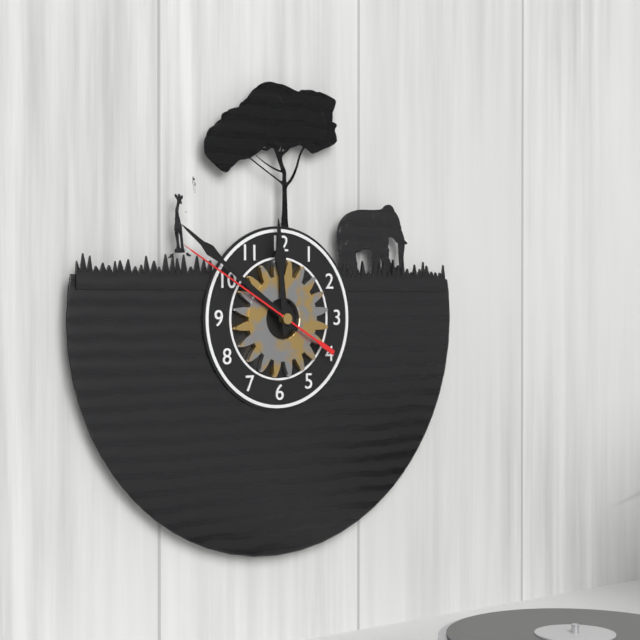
{"hour": 11, "minute": 51, "second": 50}
